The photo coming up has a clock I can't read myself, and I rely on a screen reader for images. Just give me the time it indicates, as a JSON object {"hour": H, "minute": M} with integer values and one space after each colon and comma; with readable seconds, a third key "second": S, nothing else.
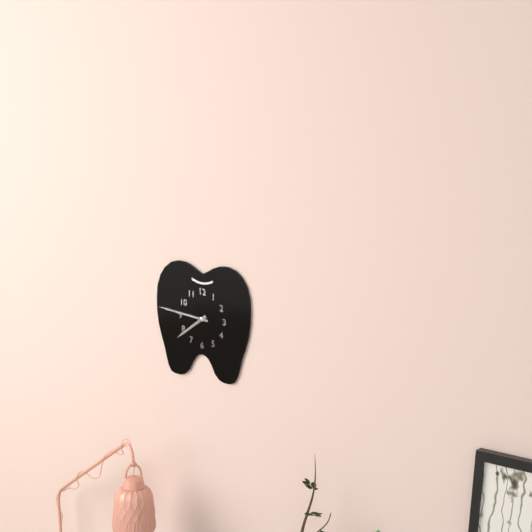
{"hour": 7, "minute": 46}
